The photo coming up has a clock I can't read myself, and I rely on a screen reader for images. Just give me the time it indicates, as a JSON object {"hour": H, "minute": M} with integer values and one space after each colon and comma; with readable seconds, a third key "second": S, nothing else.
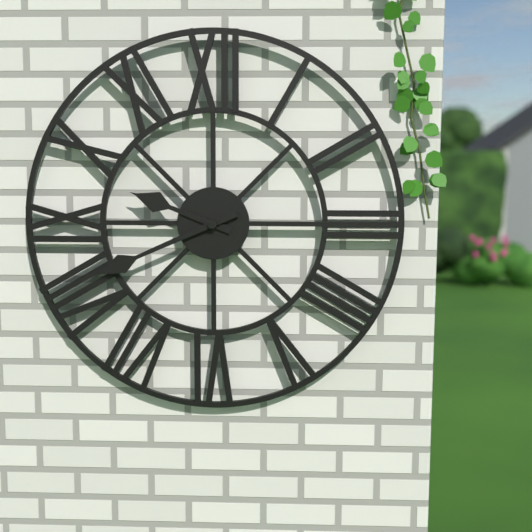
{"hour": 9, "minute": 41}
